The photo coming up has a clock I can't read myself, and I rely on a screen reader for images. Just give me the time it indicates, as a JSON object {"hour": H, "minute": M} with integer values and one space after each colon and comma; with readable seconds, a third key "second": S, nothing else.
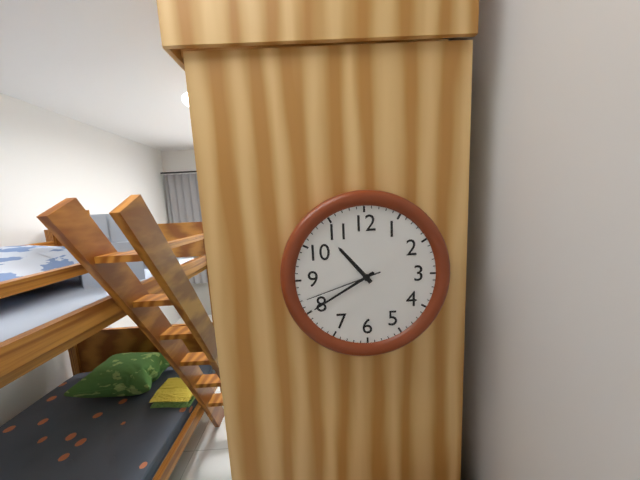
{"hour": 10, "minute": 40, "second": 42}
